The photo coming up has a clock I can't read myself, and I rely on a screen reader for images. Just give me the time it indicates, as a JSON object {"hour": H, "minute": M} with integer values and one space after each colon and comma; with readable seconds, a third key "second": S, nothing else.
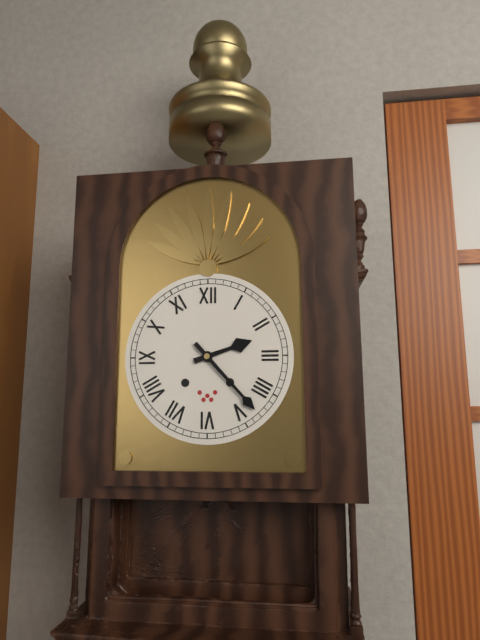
{"hour": 2, "minute": 23}
